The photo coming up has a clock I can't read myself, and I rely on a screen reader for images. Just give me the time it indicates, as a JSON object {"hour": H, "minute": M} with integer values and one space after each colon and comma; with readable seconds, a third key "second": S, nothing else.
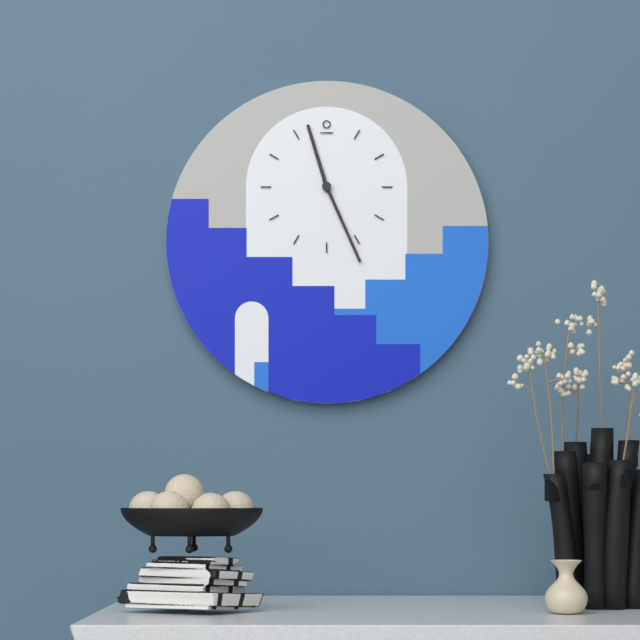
{"hour": 11, "minute": 26}
